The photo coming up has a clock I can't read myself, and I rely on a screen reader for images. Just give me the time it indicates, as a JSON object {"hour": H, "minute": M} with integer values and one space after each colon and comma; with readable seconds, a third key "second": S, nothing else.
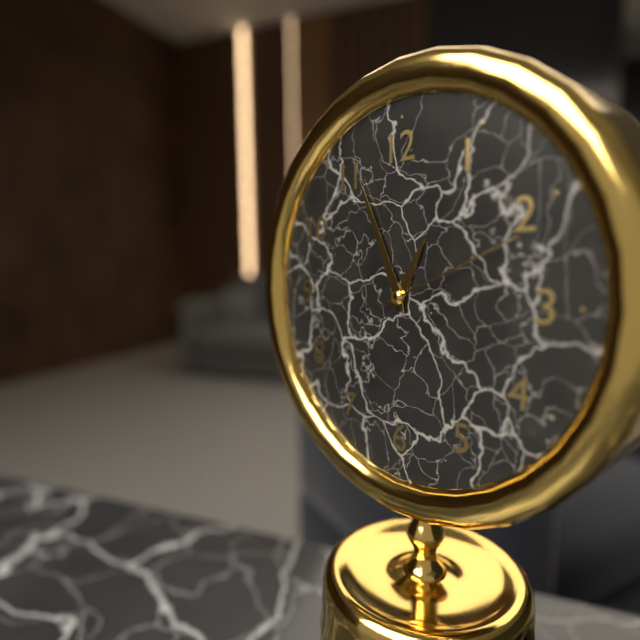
{"hour": 12, "minute": 56, "second": 11}
